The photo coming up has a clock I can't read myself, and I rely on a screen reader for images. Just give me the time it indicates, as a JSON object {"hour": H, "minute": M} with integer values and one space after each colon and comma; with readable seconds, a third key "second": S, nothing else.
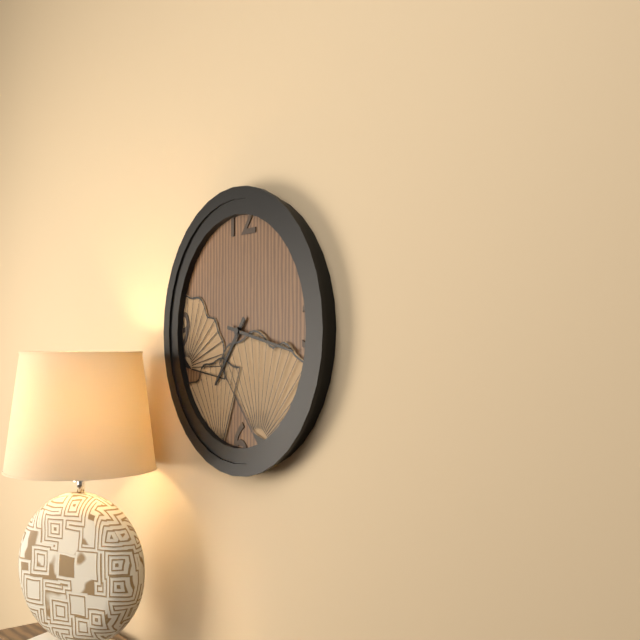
{"hour": 7, "minute": 17}
